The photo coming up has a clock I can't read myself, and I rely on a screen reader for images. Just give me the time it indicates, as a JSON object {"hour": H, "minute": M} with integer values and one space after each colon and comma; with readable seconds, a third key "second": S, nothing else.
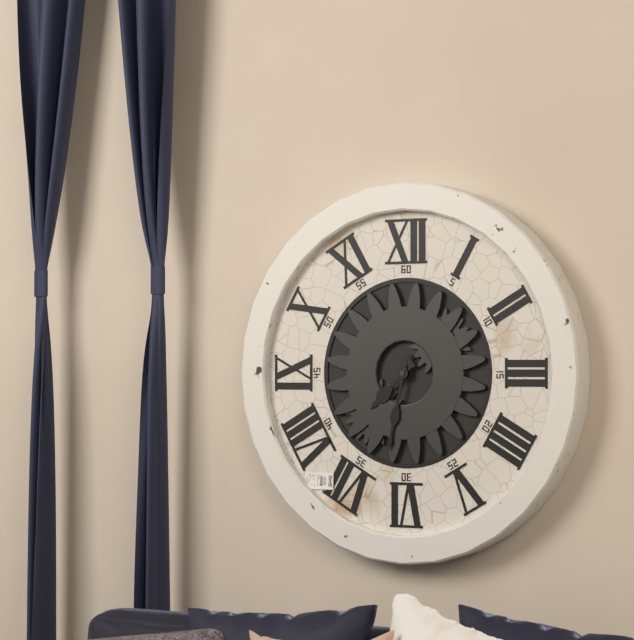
{"hour": 7, "minute": 32}
